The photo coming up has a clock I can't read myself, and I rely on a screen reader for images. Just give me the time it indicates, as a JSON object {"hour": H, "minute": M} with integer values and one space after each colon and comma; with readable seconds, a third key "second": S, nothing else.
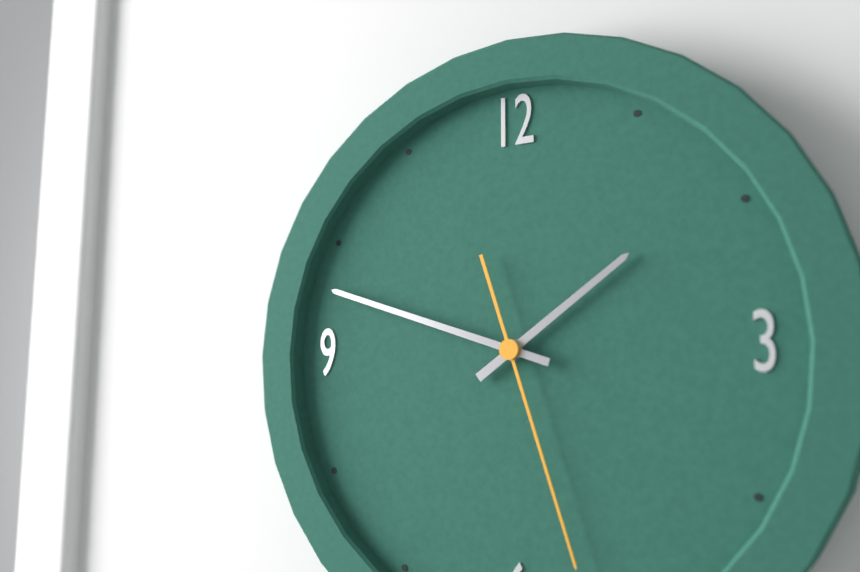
{"hour": 1, "minute": 48, "second": 27}
